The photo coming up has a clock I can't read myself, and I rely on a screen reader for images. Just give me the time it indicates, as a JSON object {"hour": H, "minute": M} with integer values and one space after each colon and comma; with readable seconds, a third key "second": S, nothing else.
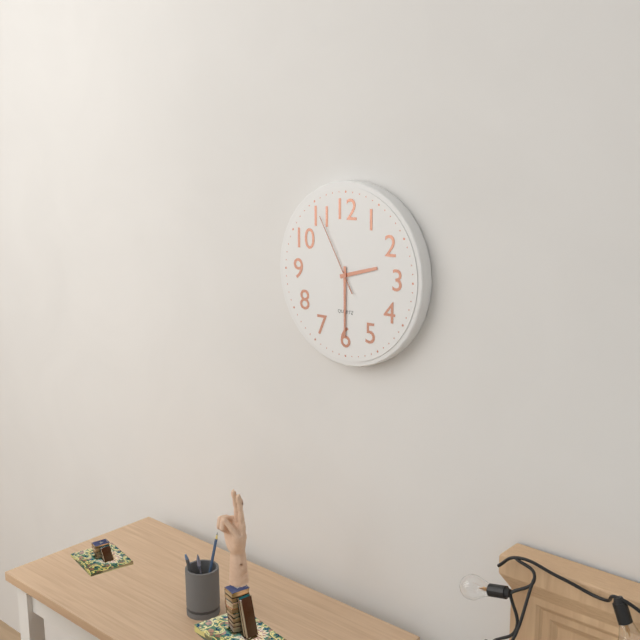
{"hour": 2, "minute": 30, "second": 55}
